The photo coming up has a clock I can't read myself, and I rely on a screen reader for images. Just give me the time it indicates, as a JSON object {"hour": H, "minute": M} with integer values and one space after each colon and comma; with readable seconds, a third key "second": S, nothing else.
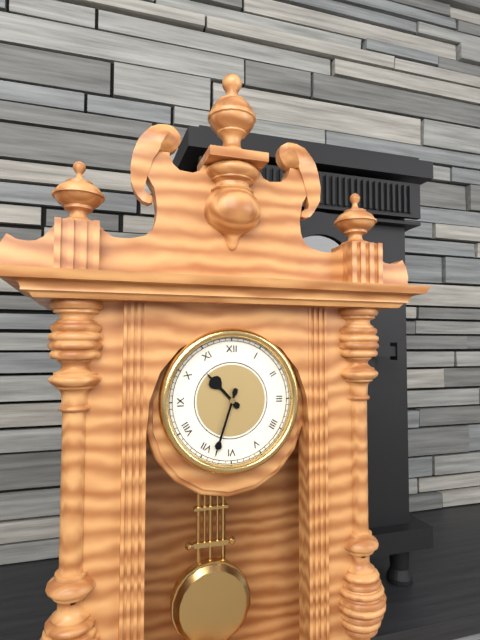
{"hour": 10, "minute": 33}
